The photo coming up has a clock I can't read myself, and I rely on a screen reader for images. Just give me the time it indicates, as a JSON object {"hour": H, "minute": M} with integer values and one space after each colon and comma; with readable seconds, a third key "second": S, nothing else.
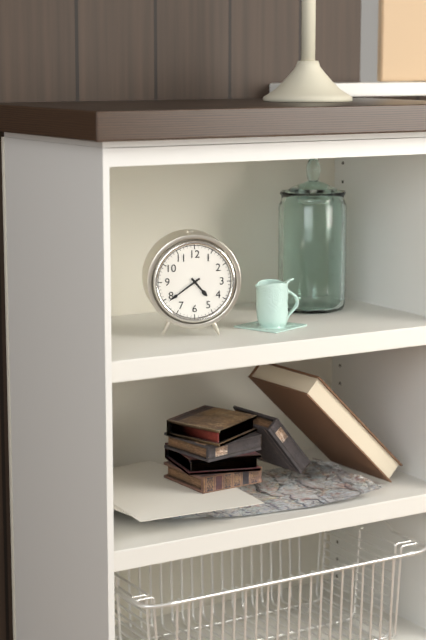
{"hour": 4, "minute": 39}
